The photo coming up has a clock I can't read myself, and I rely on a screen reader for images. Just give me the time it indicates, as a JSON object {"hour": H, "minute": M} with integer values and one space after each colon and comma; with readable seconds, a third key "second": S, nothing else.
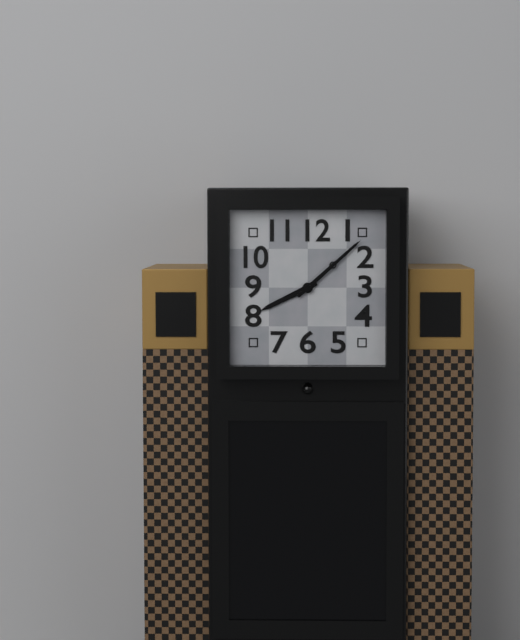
{"hour": 8, "minute": 8}
